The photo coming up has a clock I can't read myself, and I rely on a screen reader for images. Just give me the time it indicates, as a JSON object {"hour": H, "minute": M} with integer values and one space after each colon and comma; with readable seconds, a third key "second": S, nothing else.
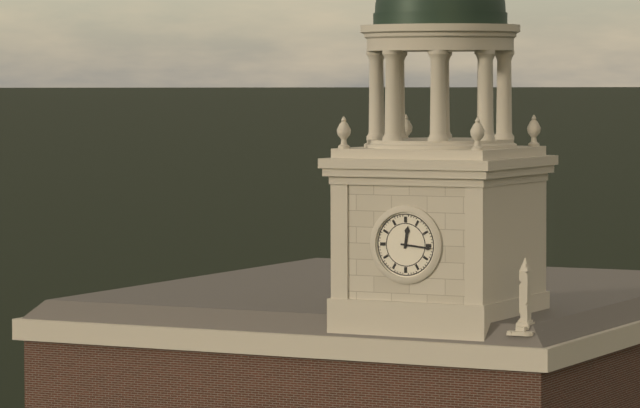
{"hour": 12, "minute": 16}
